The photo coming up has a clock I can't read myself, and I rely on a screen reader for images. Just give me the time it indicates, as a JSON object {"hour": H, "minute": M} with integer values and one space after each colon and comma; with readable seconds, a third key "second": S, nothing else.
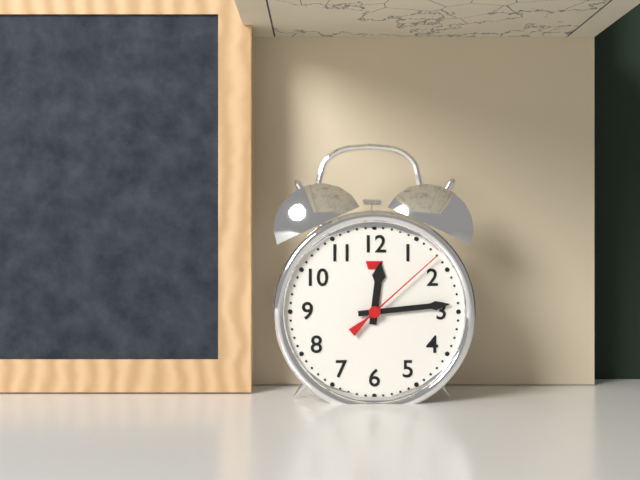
{"hour": 12, "minute": 14, "second": 8}
